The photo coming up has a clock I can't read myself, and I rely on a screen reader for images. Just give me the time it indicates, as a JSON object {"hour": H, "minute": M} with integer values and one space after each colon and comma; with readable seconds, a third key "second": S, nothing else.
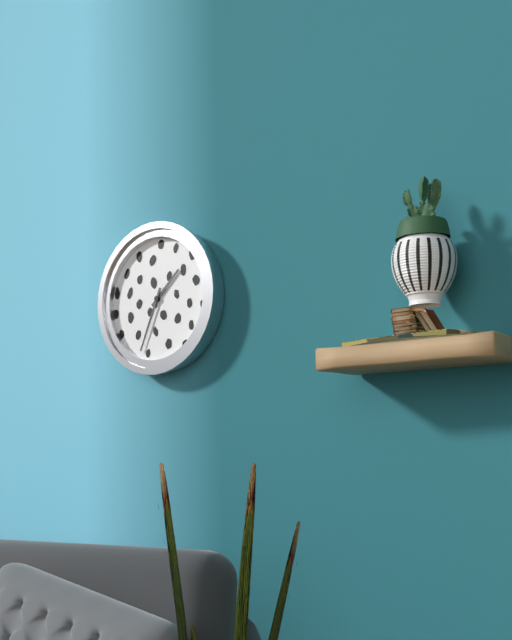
{"hour": 1, "minute": 34}
